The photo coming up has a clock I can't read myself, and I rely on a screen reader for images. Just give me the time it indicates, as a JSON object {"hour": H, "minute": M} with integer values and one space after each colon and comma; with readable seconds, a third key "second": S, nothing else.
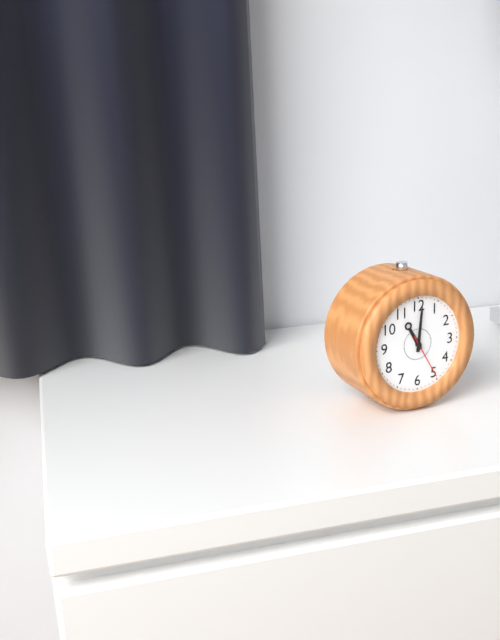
{"hour": 11, "minute": 1, "second": 25}
